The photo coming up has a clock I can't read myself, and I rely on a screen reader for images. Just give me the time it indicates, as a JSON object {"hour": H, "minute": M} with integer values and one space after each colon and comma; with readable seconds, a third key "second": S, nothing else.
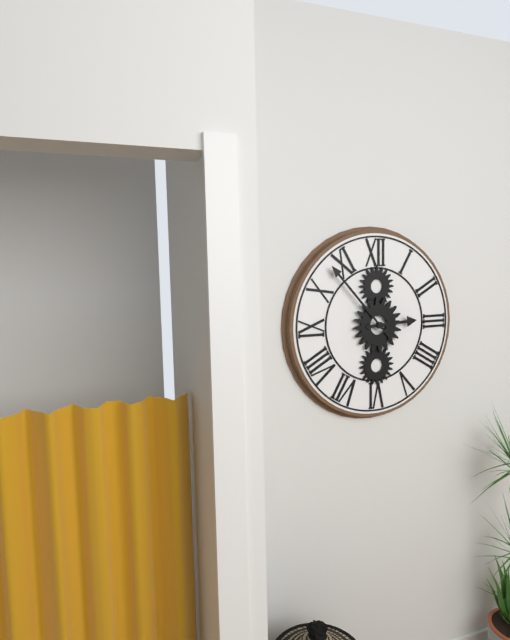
{"hour": 2, "minute": 53}
